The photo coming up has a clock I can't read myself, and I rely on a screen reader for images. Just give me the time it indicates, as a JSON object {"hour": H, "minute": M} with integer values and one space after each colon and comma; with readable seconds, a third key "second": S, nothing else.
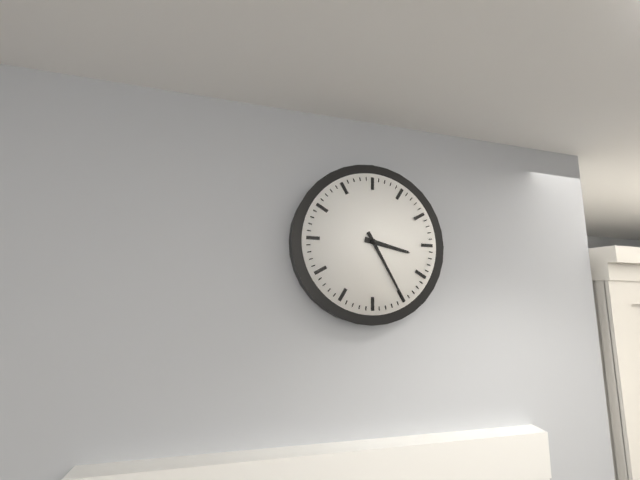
{"hour": 3, "minute": 25}
